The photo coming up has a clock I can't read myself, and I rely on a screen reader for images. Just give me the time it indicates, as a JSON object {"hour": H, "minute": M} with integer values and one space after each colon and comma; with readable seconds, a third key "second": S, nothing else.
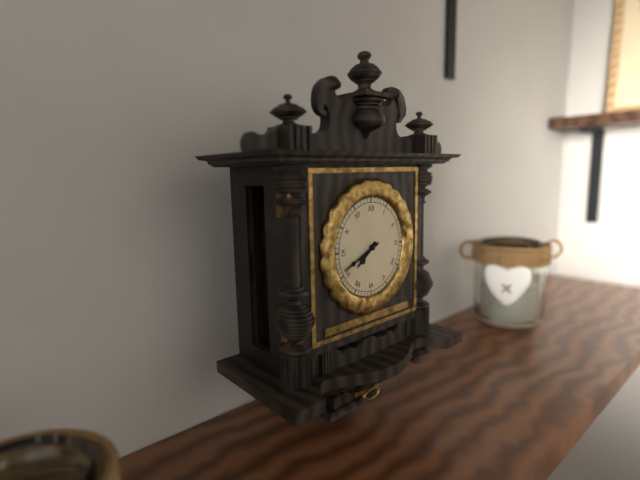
{"hour": 7, "minute": 41}
